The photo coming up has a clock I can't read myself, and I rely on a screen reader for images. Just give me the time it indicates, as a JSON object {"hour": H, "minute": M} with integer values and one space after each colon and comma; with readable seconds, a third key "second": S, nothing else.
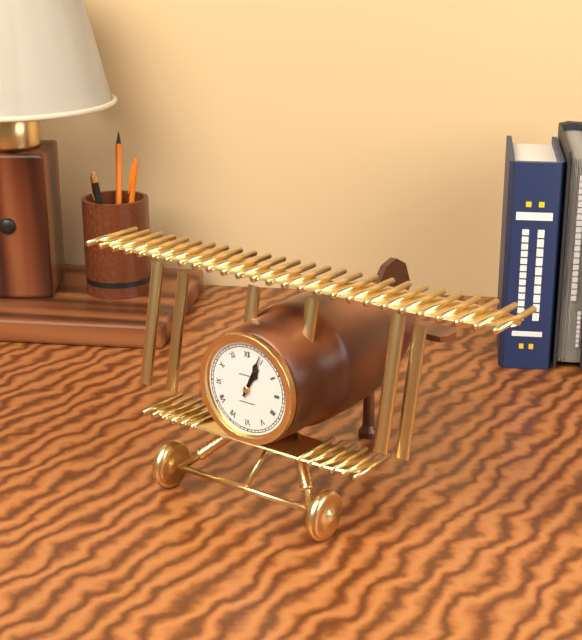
{"hour": 1, "minute": 4}
